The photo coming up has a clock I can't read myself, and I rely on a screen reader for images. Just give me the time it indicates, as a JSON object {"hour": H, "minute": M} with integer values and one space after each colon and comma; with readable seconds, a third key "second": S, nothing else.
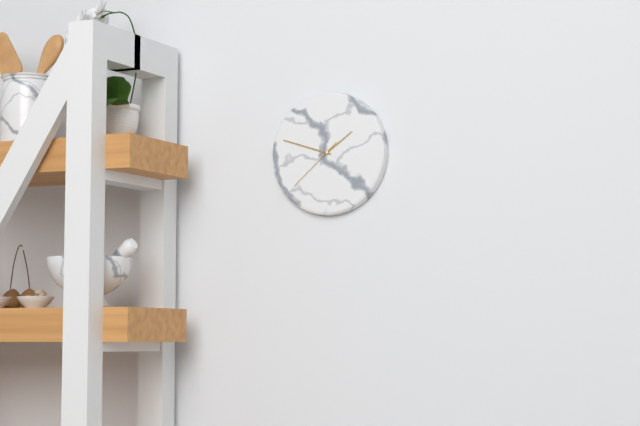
{"hour": 1, "minute": 48, "second": 38}
